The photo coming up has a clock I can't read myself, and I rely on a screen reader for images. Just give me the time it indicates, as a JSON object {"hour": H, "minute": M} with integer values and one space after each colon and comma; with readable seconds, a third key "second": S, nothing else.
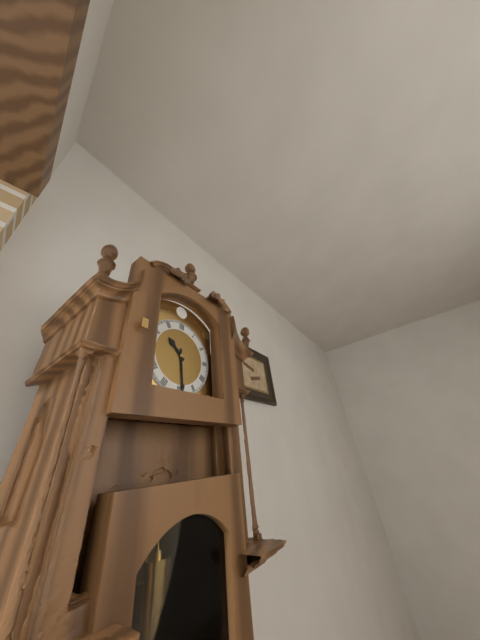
{"hour": 10, "minute": 29}
